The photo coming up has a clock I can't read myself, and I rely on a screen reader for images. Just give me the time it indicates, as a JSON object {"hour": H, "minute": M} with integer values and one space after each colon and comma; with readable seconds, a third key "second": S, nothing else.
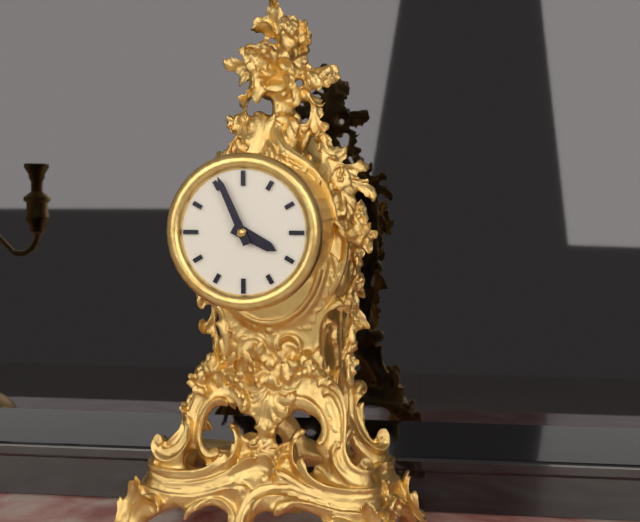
{"hour": 3, "minute": 56}
